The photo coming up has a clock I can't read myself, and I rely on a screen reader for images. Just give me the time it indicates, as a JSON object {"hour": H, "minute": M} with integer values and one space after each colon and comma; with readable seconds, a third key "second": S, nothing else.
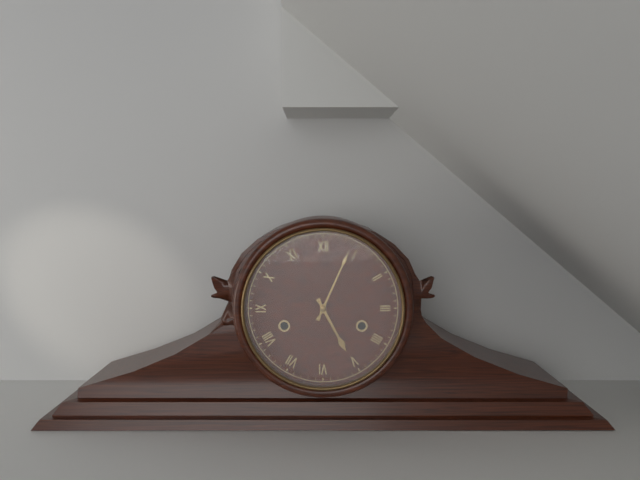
{"hour": 5, "minute": 4}
